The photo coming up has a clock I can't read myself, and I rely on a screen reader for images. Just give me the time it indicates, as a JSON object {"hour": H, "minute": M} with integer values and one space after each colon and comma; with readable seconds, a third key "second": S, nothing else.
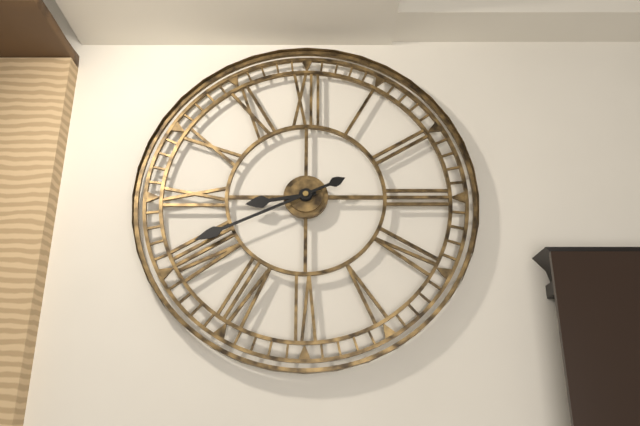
{"hour": 8, "minute": 41}
